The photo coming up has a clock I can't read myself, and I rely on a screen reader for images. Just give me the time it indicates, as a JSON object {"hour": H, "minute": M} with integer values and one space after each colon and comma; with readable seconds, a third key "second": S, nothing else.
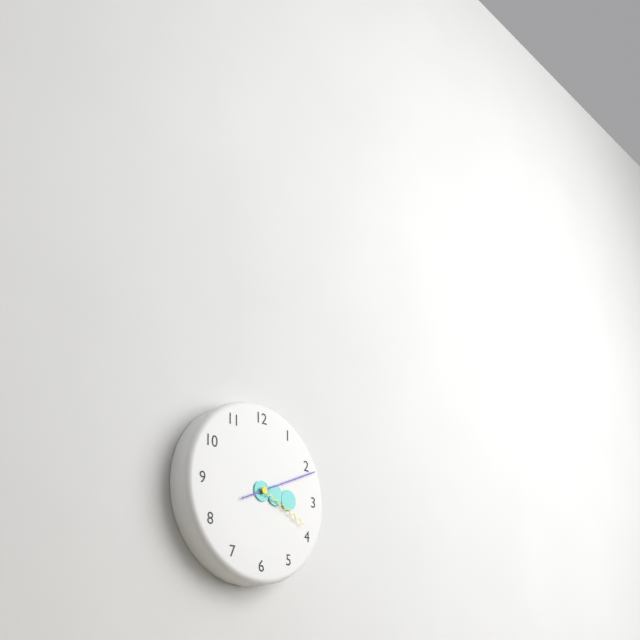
{"hour": 3, "minute": 11, "second": 19}
